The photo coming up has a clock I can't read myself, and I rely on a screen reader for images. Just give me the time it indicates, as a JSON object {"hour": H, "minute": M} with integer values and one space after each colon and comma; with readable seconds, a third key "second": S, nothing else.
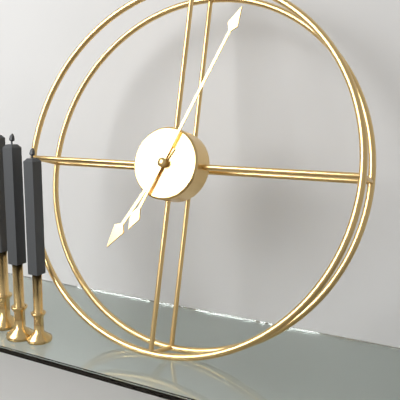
{"hour": 7, "minute": 4}
